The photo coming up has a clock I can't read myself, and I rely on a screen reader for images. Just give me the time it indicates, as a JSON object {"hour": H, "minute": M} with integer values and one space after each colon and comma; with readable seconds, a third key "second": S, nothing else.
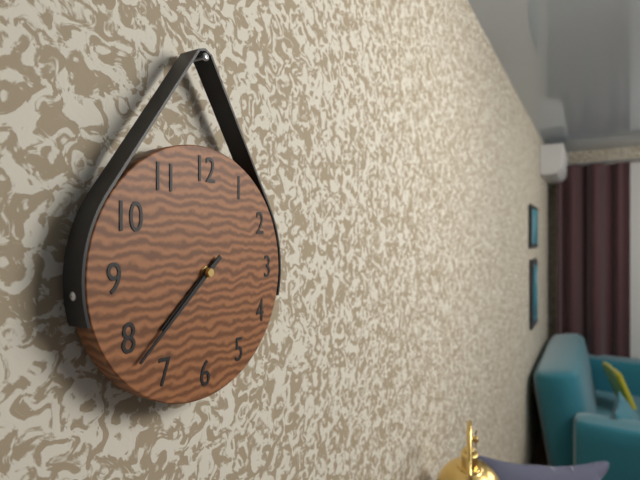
{"hour": 7, "minute": 38}
